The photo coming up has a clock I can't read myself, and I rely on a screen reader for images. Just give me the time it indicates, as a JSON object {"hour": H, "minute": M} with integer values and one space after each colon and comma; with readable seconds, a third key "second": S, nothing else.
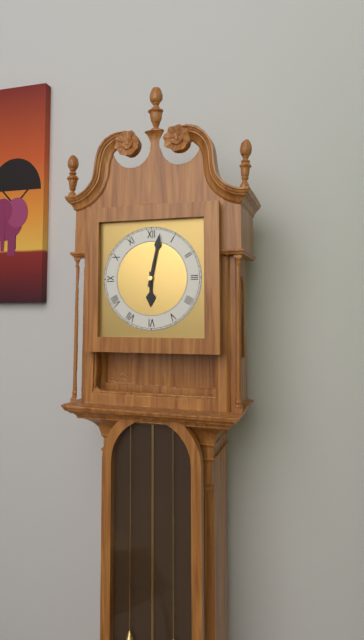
{"hour": 6, "minute": 2}
